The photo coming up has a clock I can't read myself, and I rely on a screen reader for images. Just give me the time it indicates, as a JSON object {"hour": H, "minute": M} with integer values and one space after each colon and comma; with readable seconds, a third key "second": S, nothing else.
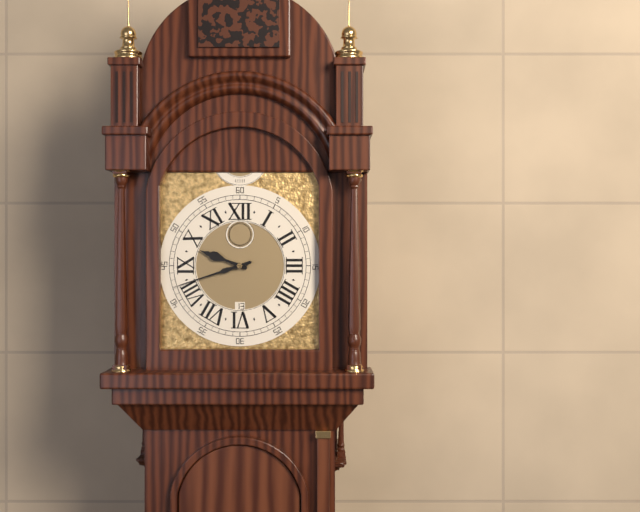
{"hour": 9, "minute": 42}
